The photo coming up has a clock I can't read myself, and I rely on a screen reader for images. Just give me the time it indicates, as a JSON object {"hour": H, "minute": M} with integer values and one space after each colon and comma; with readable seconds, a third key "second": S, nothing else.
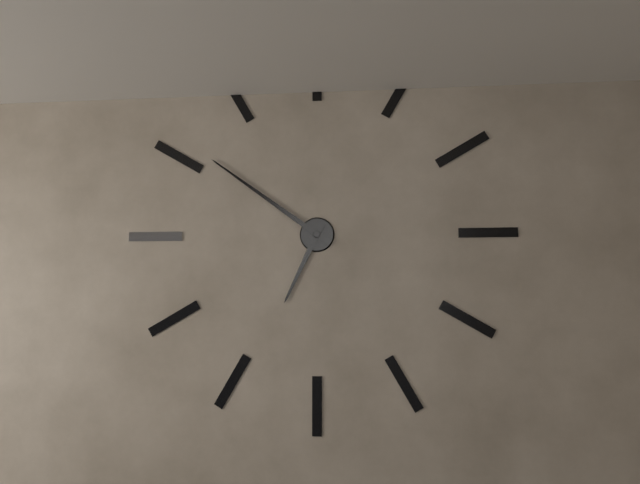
{"hour": 6, "minute": 51}
